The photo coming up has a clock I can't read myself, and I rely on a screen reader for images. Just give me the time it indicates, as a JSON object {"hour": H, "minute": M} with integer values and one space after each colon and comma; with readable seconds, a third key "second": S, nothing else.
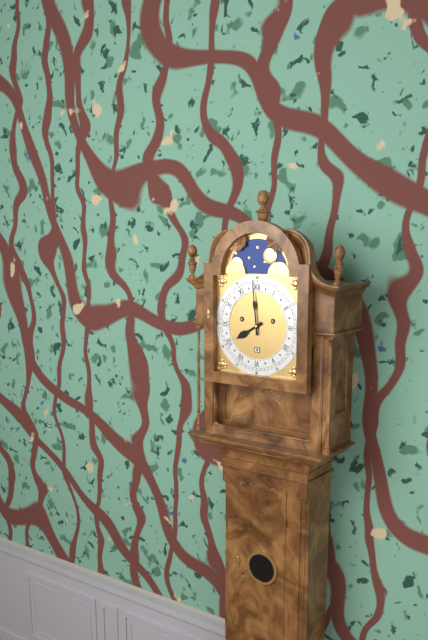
{"hour": 7, "minute": 59}
